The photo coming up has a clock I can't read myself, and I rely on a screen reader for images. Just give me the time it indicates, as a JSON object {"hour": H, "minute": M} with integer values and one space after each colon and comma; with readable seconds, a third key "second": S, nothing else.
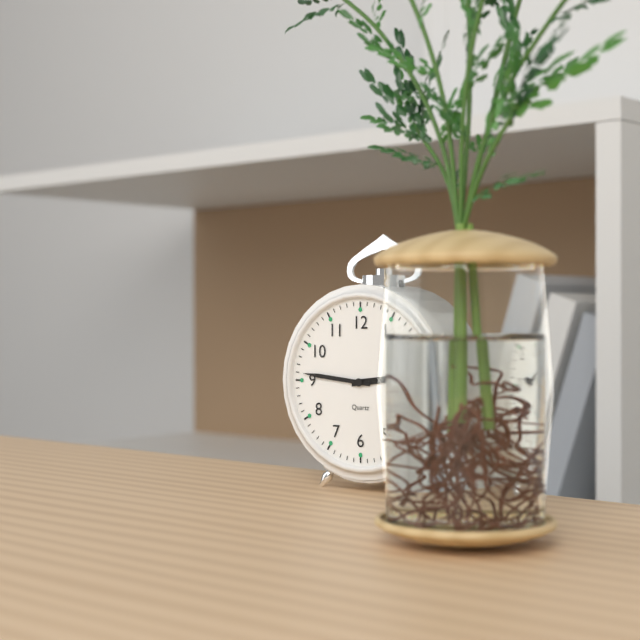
{"hour": 2, "minute": 46}
